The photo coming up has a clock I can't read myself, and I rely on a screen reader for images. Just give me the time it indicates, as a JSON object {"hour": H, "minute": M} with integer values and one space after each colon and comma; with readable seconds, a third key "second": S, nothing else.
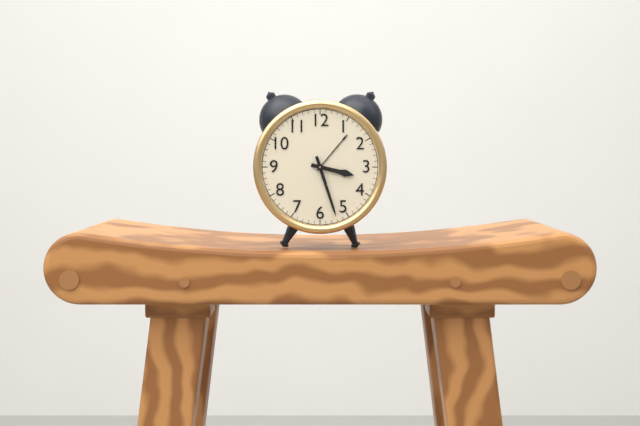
{"hour": 3, "minute": 27}
